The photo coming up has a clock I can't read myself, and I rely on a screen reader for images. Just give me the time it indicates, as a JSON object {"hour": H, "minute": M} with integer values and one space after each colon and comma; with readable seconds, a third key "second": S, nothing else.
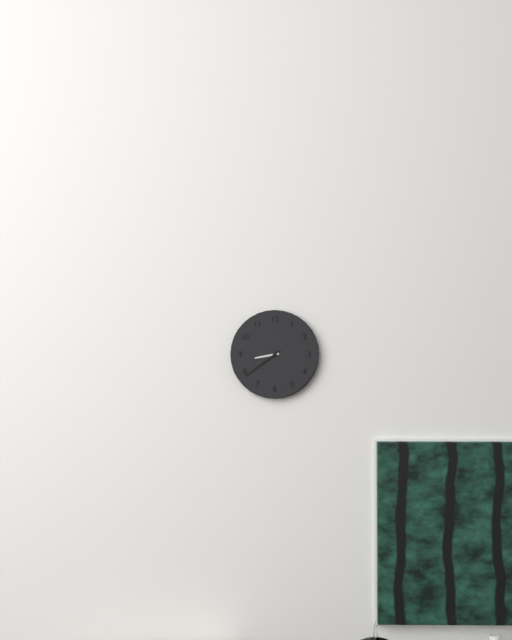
{"hour": 8, "minute": 39}
